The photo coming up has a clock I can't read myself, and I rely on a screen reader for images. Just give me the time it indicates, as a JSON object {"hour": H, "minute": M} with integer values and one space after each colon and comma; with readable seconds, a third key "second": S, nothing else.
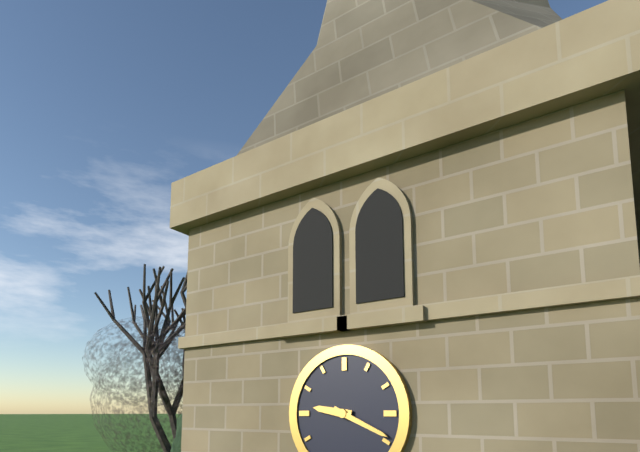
{"hour": 9, "minute": 19}
